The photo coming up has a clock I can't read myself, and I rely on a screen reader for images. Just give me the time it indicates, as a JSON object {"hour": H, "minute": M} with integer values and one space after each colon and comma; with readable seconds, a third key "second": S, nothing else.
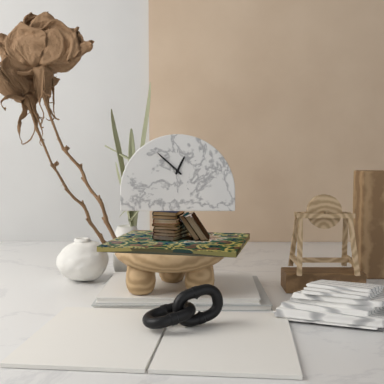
{"hour": 12, "minute": 52}
